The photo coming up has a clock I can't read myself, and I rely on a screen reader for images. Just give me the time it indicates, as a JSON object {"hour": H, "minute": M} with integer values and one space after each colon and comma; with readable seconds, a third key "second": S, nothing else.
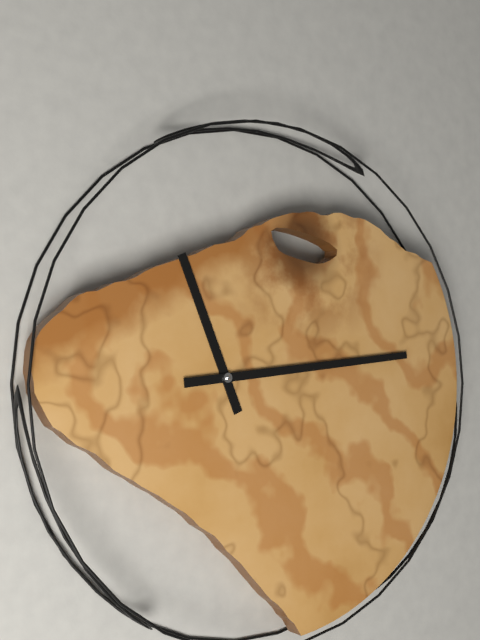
{"hour": 11, "minute": 14}
